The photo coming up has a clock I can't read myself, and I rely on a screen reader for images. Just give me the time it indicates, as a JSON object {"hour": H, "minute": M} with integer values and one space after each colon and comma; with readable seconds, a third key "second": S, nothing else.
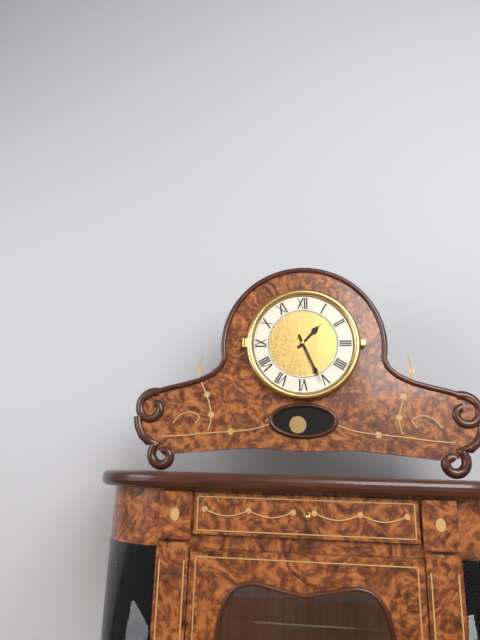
{"hour": 1, "minute": 26}
